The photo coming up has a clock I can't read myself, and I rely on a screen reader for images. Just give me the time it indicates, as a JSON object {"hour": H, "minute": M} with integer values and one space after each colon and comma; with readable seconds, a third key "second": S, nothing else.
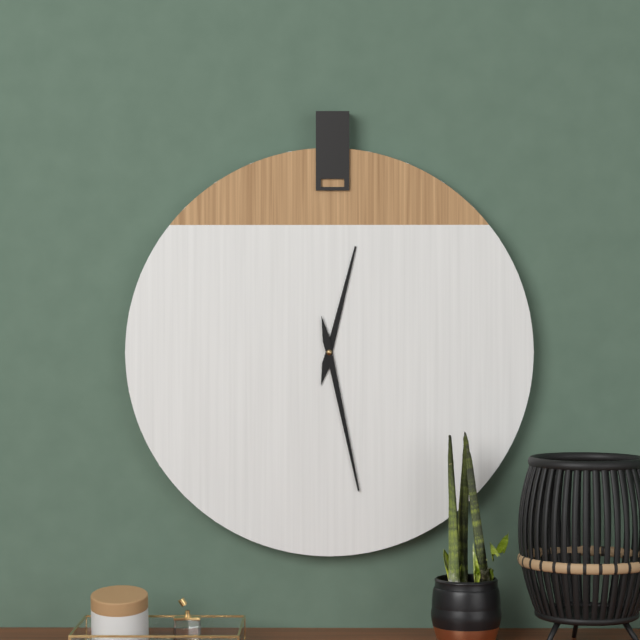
{"hour": 12, "minute": 28}
